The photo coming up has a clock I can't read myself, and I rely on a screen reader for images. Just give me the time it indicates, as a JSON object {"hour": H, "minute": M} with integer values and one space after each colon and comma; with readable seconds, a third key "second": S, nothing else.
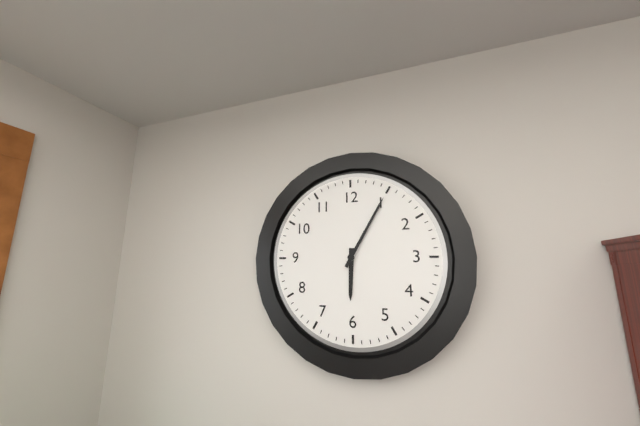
{"hour": 6, "minute": 5}
